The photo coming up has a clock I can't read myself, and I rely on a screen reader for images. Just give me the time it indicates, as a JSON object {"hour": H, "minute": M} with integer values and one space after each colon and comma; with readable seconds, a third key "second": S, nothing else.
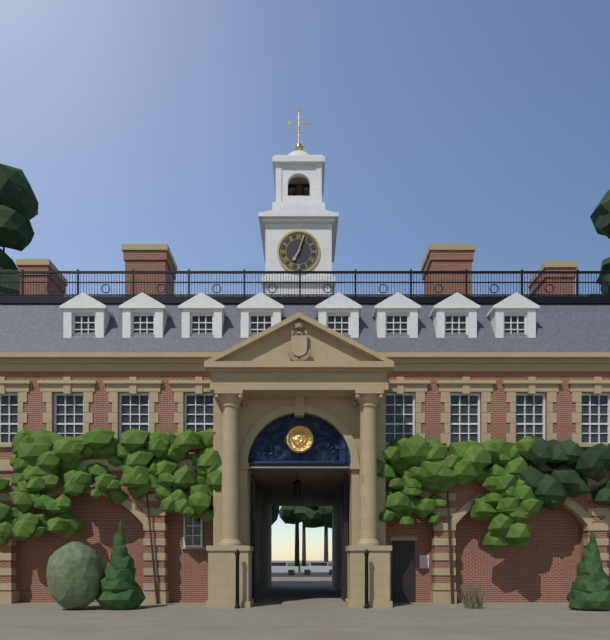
{"hour": 7, "minute": 3}
